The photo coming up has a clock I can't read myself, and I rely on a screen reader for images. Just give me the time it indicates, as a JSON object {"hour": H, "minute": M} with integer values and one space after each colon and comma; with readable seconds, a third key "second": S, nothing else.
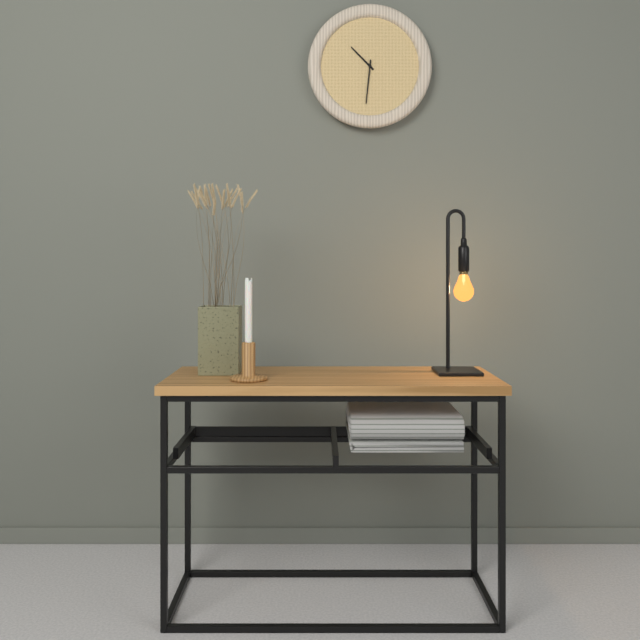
{"hour": 10, "minute": 31}
